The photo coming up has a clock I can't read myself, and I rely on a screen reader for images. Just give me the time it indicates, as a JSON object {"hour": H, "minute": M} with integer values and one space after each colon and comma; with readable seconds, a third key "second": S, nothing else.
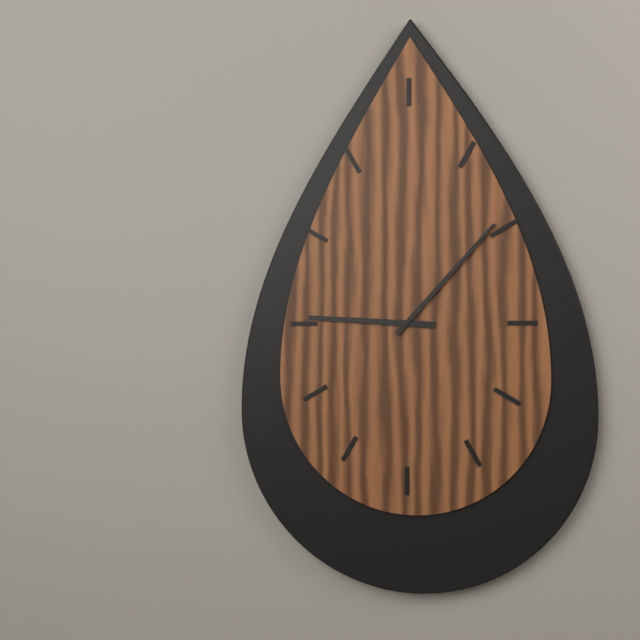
{"hour": 9, "minute": 7}
